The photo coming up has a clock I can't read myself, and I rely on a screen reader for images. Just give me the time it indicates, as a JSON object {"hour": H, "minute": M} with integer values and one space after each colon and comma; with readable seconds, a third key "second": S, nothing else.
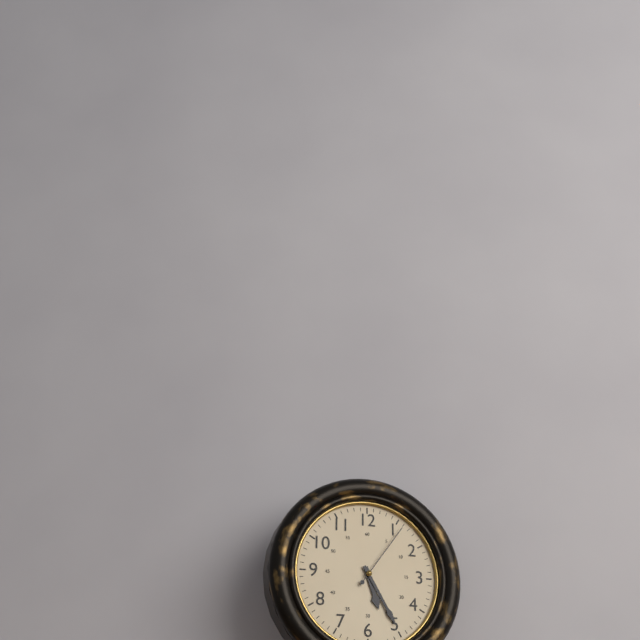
{"hour": 5, "minute": 25, "second": 6}
